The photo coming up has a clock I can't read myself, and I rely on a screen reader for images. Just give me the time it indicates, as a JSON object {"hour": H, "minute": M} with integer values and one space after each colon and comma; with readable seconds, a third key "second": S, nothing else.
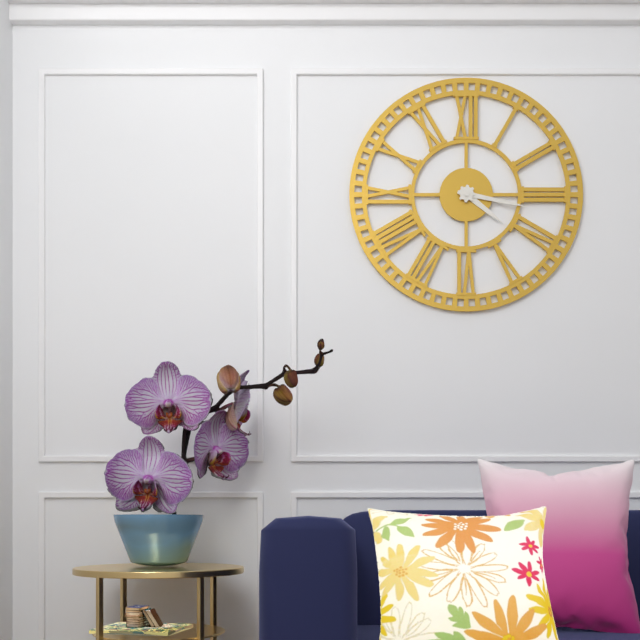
{"hour": 4, "minute": 17}
